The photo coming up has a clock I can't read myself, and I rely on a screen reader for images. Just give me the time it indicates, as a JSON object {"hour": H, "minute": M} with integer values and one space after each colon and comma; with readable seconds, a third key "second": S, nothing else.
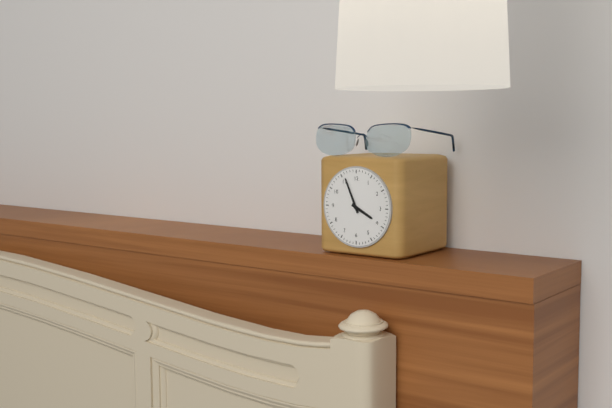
{"hour": 3, "minute": 56}
